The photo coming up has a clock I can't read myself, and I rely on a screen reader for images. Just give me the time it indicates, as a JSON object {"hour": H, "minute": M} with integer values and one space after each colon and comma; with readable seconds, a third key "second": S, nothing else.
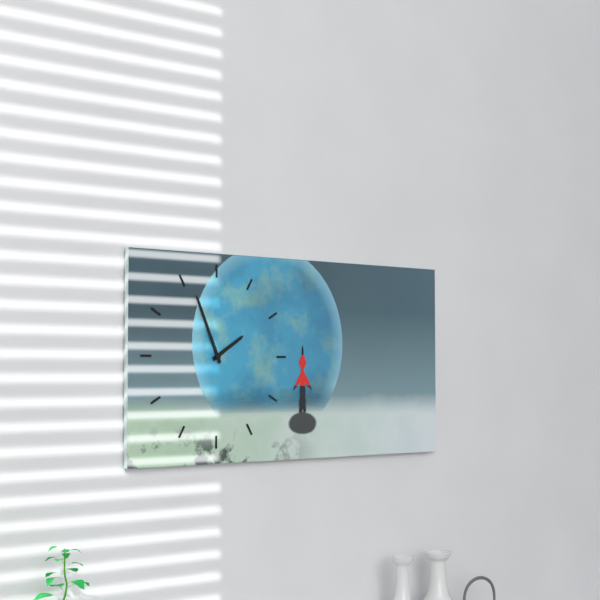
{"hour": 1, "minute": 56}
